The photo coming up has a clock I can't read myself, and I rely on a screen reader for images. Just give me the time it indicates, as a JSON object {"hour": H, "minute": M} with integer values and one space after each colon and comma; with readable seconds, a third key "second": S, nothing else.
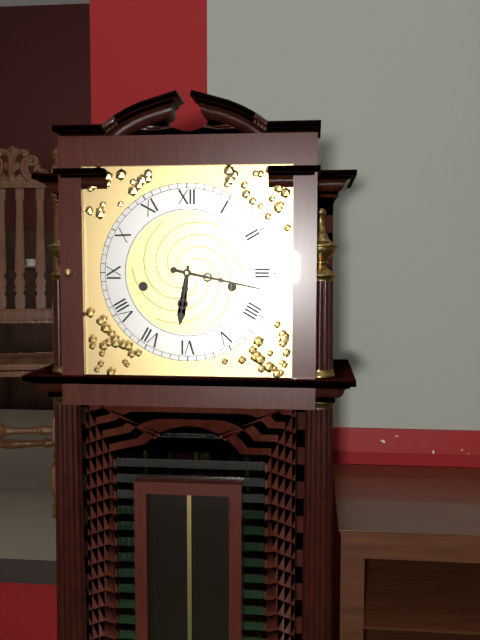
{"hour": 6, "minute": 17}
